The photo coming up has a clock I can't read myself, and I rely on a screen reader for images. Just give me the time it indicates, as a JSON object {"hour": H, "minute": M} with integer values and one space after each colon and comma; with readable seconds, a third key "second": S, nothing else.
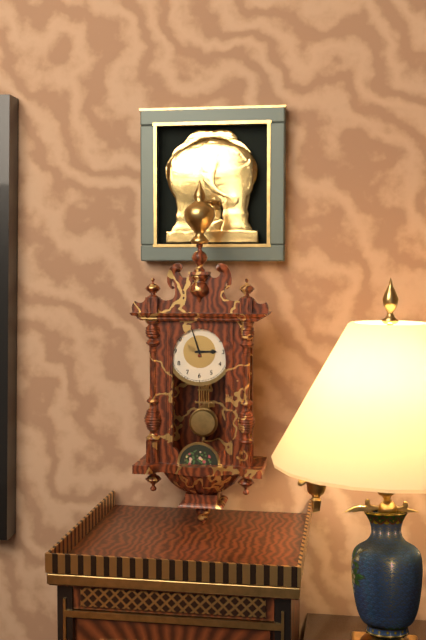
{"hour": 2, "minute": 57}
